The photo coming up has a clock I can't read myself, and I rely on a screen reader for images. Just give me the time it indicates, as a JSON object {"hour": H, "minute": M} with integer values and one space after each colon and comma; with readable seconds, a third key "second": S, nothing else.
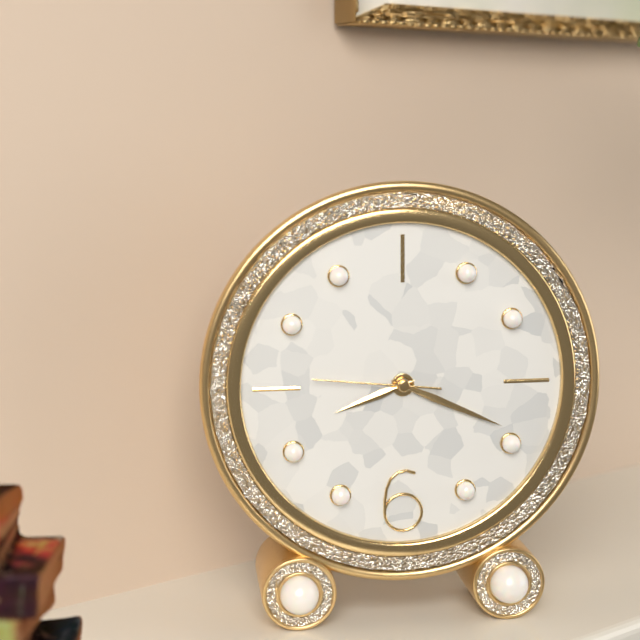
{"hour": 8, "minute": 19, "second": 46}
